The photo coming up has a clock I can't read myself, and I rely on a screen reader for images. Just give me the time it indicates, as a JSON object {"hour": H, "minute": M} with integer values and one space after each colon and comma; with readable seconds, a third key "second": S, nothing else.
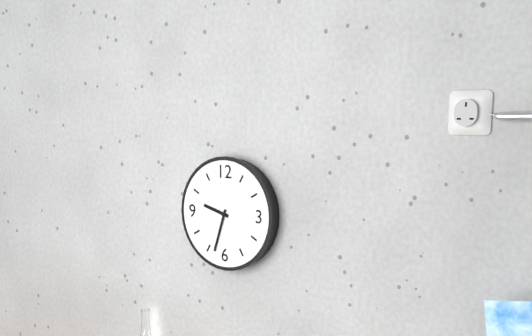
{"hour": 9, "minute": 33}
